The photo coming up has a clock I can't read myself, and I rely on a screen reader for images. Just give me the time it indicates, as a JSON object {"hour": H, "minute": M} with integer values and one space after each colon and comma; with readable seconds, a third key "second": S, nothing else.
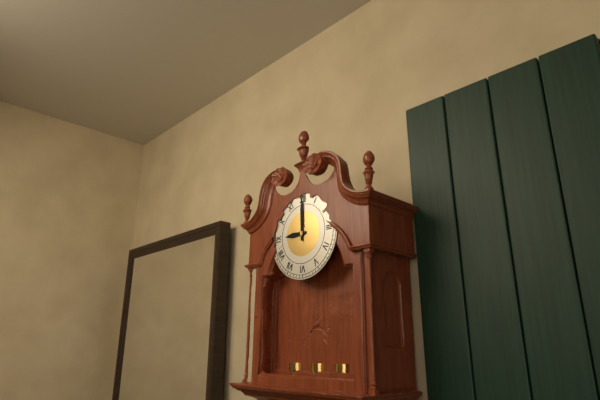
{"hour": 9, "minute": 0}
